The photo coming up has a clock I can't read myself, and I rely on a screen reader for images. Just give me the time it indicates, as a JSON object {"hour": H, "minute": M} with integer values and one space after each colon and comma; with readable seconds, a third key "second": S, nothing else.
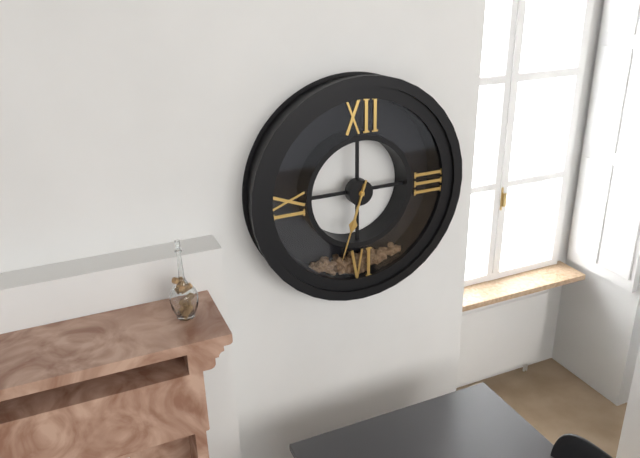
{"hour": 6, "minute": 33}
